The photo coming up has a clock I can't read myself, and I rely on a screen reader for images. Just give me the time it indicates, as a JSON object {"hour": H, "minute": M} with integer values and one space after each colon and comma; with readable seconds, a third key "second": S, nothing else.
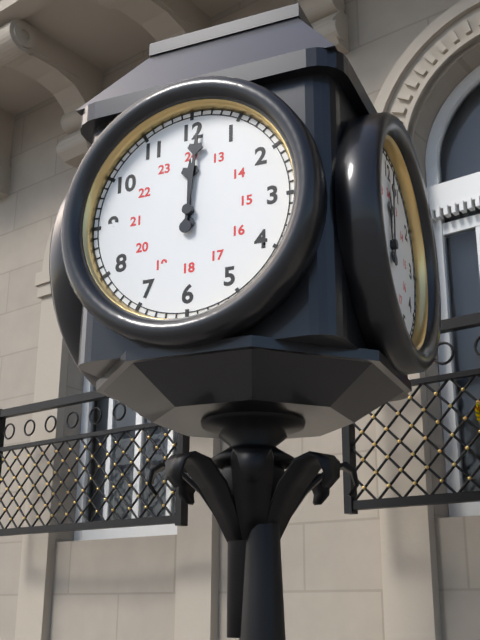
{"hour": 12, "minute": 1}
